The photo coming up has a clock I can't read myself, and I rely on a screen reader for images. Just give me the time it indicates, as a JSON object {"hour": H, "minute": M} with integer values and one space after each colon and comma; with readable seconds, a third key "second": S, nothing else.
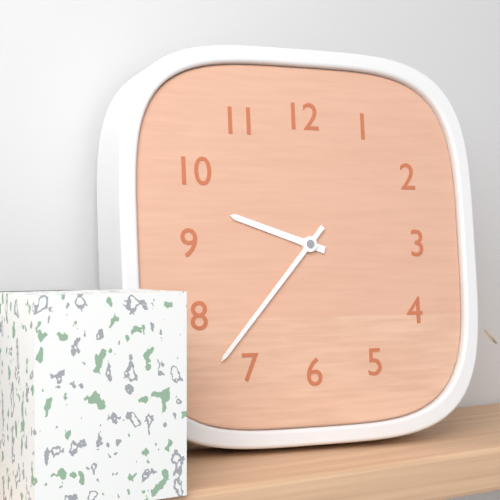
{"hour": 9, "minute": 37}
